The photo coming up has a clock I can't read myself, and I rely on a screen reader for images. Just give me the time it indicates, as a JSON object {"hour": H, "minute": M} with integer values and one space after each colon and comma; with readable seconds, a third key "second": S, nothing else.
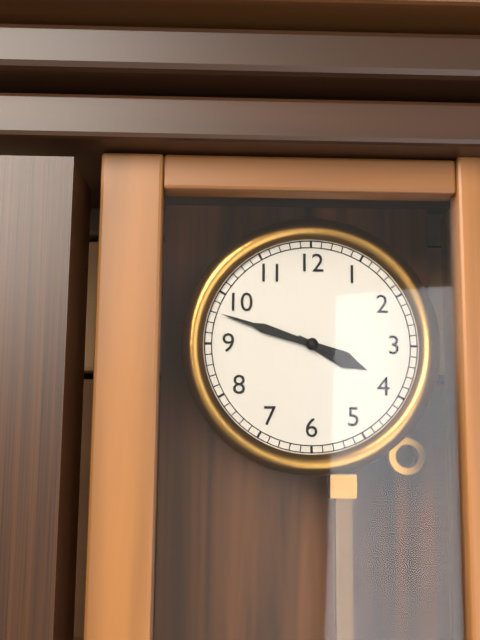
{"hour": 3, "minute": 48}
